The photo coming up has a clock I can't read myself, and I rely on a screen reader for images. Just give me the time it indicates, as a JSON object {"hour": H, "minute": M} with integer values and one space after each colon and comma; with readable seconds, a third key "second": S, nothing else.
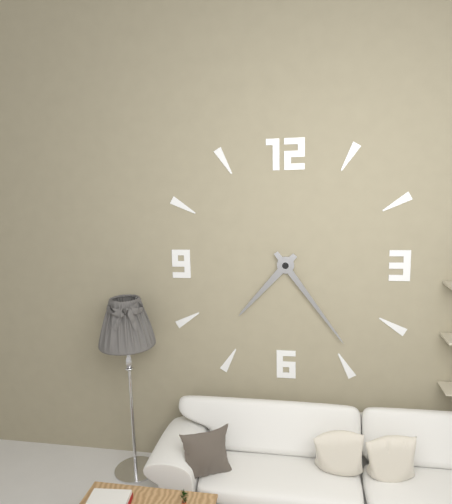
{"hour": 7, "minute": 24}
